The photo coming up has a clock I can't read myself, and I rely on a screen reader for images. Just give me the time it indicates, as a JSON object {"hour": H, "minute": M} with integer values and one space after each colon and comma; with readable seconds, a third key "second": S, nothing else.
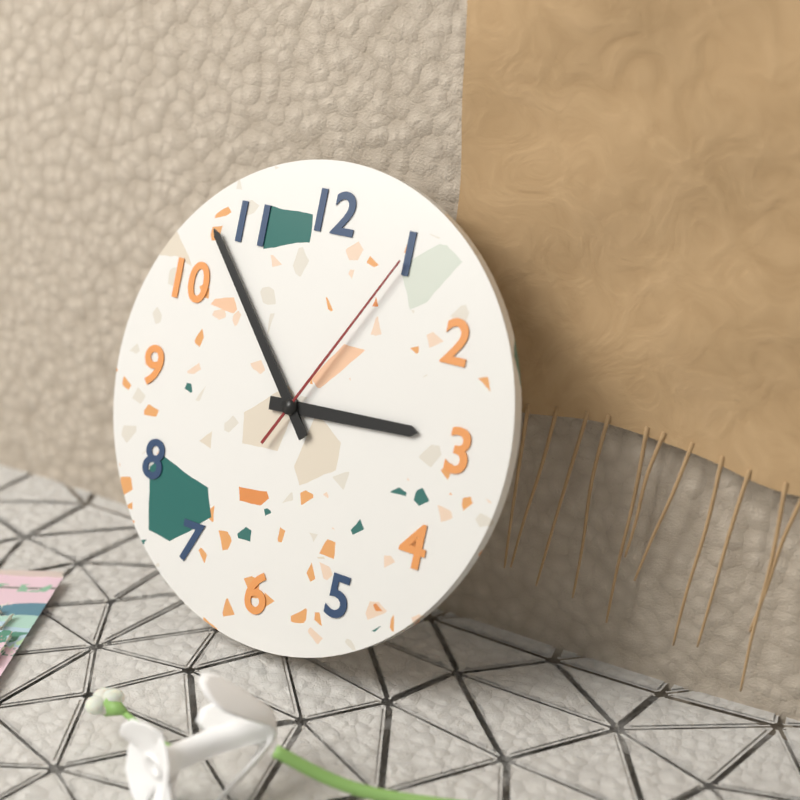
{"hour": 2, "minute": 53, "second": 5}
